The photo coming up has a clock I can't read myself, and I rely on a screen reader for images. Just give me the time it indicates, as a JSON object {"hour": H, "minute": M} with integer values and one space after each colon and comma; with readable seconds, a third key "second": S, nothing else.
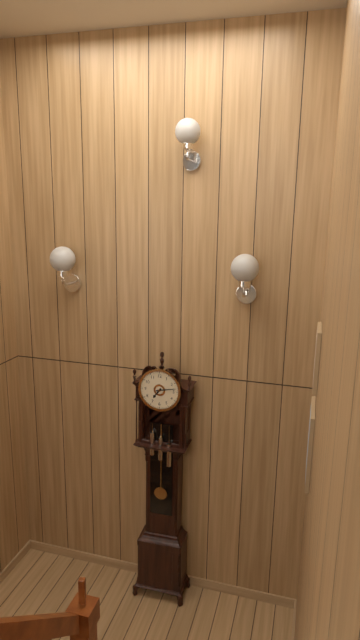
{"hour": 7, "minute": 13}
